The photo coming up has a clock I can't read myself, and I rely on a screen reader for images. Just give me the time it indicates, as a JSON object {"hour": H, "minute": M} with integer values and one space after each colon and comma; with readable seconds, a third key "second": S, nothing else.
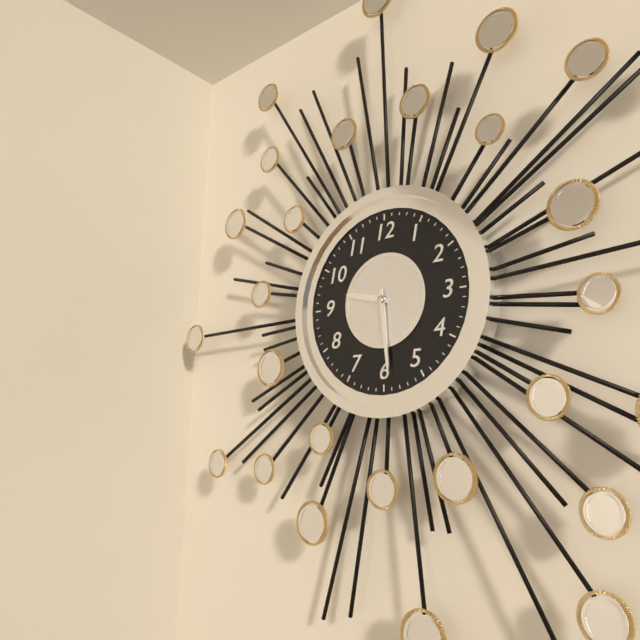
{"hour": 9, "minute": 29}
